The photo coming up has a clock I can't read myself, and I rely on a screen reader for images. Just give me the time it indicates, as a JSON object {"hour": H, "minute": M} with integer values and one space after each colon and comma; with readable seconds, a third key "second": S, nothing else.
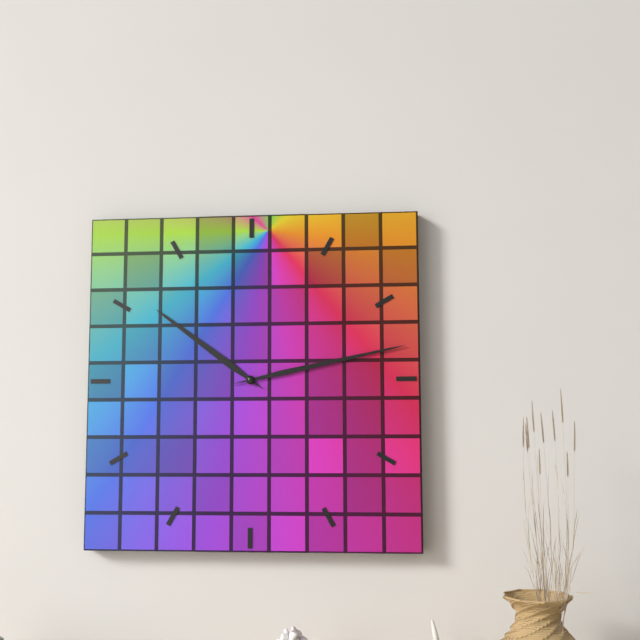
{"hour": 10, "minute": 13}
